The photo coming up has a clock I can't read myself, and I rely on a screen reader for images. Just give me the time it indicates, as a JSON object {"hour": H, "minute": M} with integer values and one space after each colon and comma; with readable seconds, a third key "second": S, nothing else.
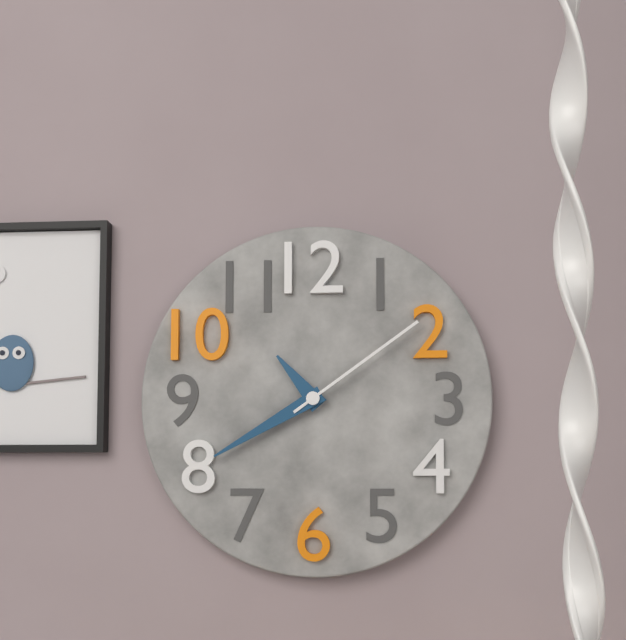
{"hour": 10, "minute": 40, "second": 9}
